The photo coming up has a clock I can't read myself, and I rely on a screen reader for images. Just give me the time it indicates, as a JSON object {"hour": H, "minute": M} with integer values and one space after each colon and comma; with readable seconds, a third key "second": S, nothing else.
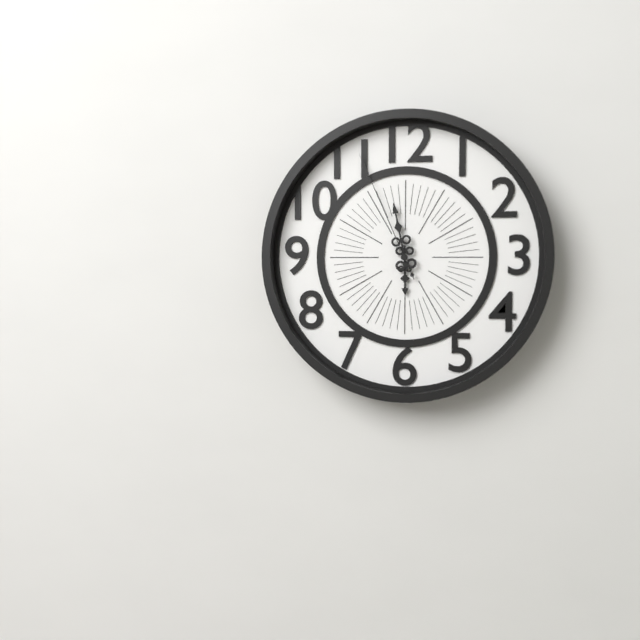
{"hour": 5, "minute": 58, "second": 56}
